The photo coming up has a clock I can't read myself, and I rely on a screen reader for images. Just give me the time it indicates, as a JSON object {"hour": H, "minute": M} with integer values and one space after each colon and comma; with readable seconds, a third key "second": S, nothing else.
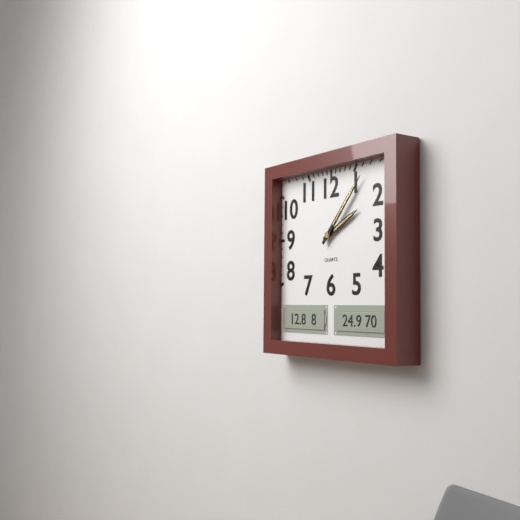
{"hour": 2, "minute": 7}
